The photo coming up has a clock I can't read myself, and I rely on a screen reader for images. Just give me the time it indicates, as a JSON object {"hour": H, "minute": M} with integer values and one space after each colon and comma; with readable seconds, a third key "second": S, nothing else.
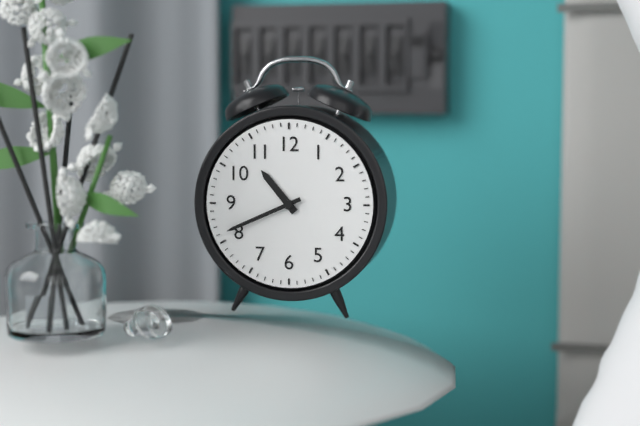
{"hour": 10, "minute": 41}
